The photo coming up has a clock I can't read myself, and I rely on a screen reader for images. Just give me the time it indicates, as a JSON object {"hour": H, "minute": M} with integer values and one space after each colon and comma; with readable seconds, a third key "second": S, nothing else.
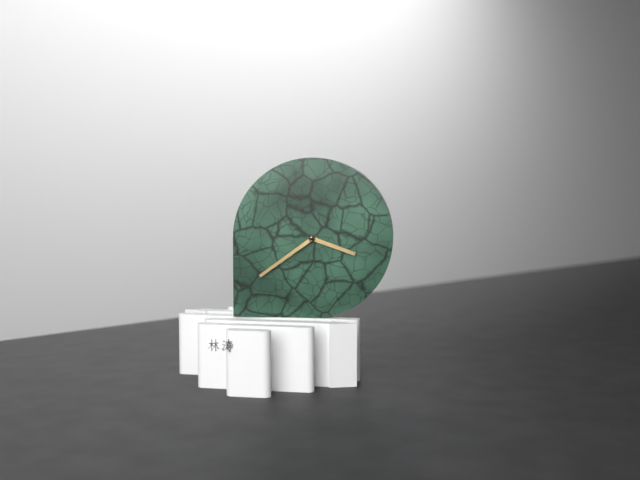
{"hour": 3, "minute": 39}
